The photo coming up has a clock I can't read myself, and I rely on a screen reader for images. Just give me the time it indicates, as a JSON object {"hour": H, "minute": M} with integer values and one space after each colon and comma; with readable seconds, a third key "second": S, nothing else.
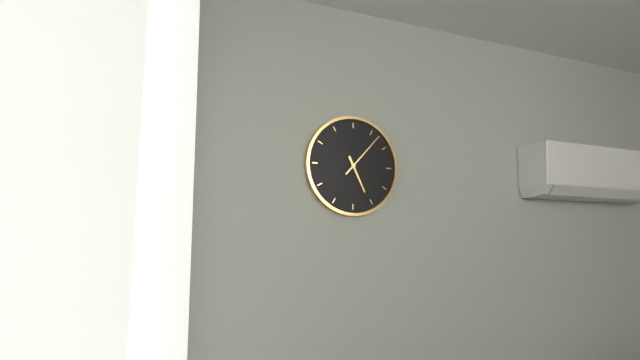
{"hour": 5, "minute": 7}
